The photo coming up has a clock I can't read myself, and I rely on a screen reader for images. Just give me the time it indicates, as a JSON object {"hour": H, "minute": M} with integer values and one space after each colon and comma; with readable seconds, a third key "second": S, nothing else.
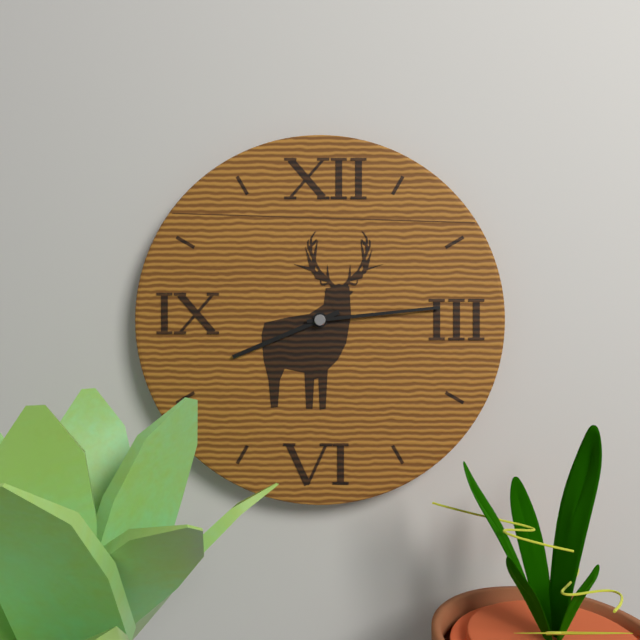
{"hour": 8, "minute": 14}
